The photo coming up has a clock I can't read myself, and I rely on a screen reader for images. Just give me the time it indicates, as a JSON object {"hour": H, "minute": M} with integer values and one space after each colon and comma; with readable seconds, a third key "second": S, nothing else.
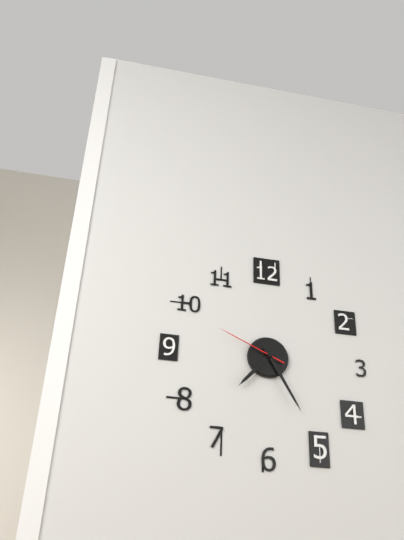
{"hour": 7, "minute": 25, "second": 49}
